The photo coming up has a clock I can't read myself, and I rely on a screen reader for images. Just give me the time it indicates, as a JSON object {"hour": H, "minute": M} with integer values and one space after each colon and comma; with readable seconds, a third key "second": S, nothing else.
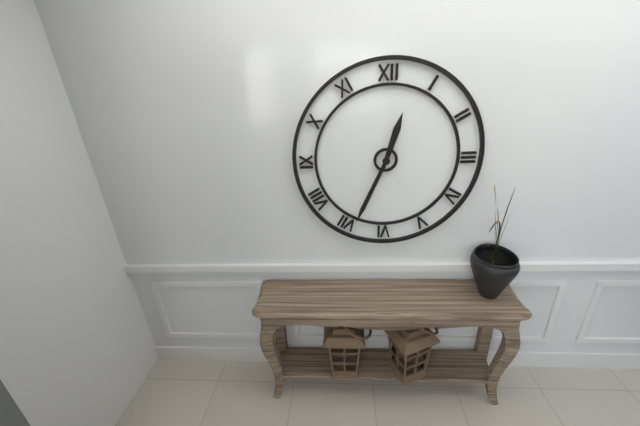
{"hour": 12, "minute": 34}
